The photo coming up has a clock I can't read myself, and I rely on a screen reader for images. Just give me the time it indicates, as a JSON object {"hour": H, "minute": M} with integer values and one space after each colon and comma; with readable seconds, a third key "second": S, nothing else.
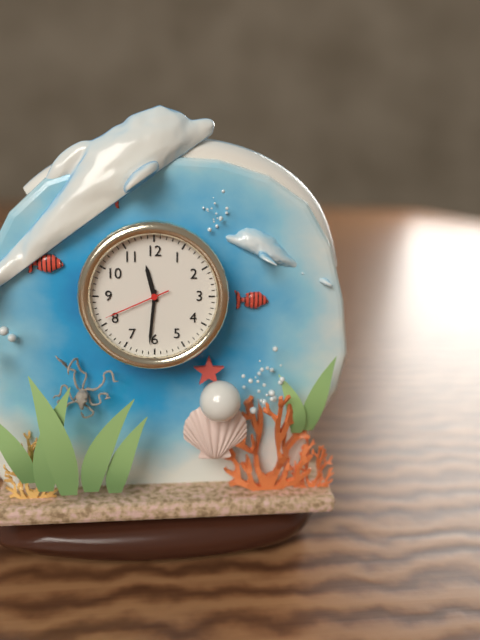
{"hour": 11, "minute": 31, "second": 41}
